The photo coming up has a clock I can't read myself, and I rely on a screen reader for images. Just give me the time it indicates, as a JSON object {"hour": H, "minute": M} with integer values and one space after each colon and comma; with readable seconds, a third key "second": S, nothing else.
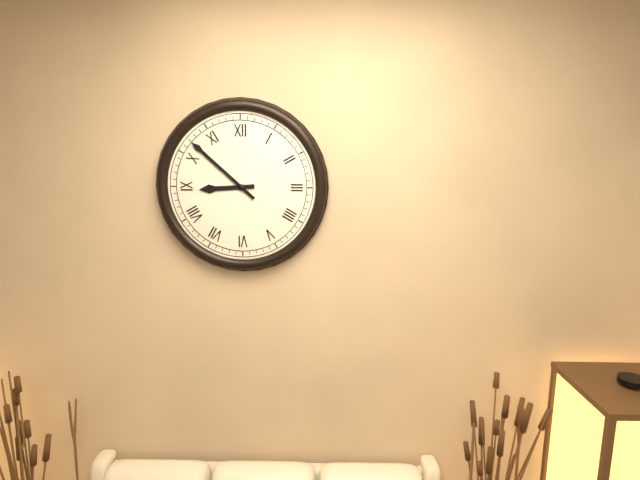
{"hour": 8, "minute": 52}
